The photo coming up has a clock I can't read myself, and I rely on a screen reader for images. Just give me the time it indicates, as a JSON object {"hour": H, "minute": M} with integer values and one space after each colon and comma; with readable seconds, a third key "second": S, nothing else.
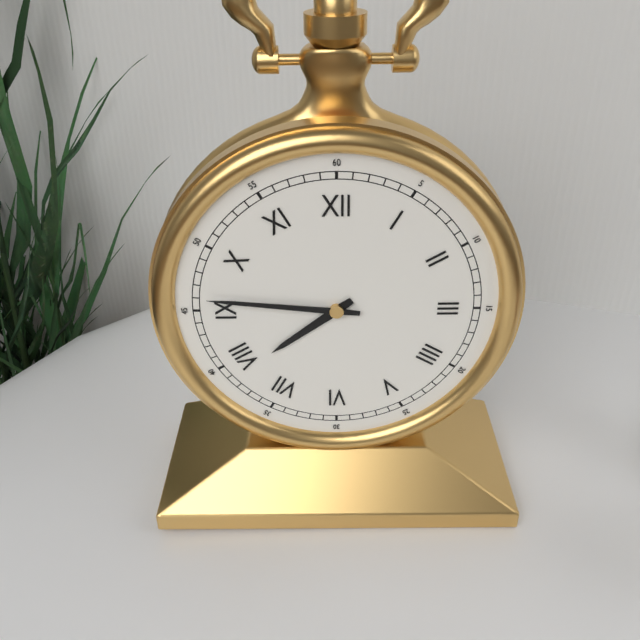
{"hour": 7, "minute": 46}
